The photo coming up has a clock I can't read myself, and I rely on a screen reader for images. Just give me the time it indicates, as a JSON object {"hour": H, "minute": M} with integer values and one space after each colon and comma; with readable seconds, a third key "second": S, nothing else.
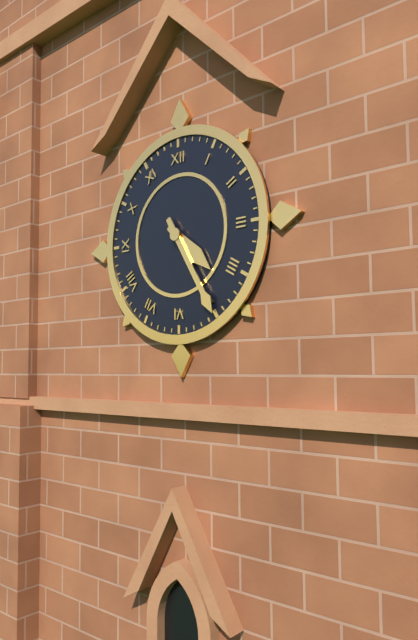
{"hour": 4, "minute": 25}
